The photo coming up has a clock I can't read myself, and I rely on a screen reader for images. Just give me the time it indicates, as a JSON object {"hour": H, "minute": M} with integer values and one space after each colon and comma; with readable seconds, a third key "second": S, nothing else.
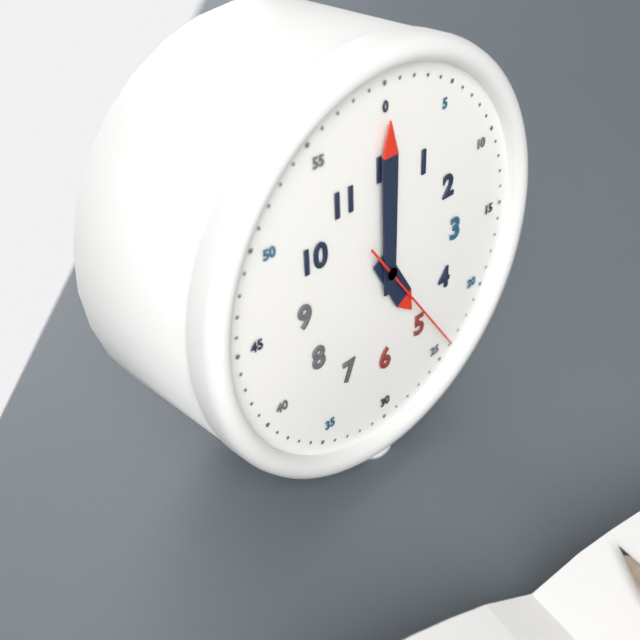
{"hour": 5, "minute": 0, "second": 24}
